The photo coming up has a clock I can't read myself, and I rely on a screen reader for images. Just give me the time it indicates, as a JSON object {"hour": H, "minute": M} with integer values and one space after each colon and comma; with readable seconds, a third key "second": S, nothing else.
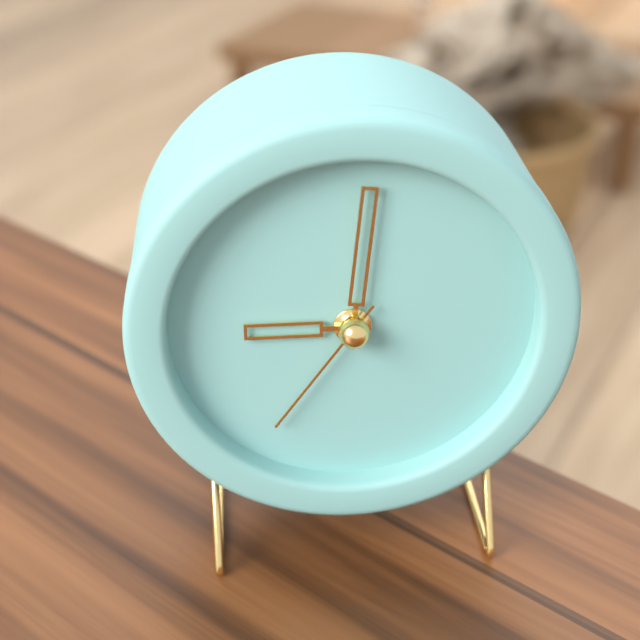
{"hour": 9, "minute": 1, "second": 36}
